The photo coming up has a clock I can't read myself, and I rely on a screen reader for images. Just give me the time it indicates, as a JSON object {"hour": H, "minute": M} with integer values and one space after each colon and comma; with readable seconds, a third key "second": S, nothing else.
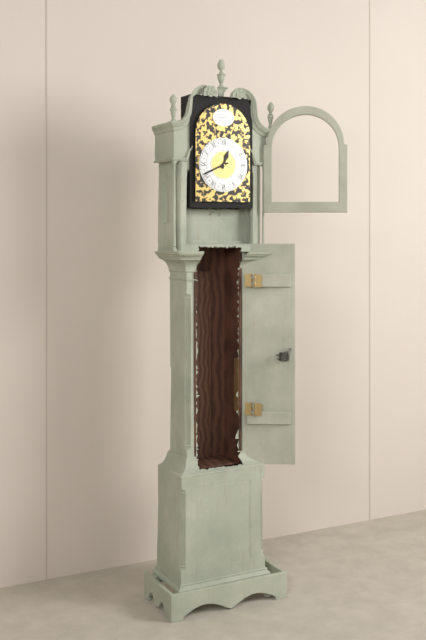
{"hour": 12, "minute": 41}
